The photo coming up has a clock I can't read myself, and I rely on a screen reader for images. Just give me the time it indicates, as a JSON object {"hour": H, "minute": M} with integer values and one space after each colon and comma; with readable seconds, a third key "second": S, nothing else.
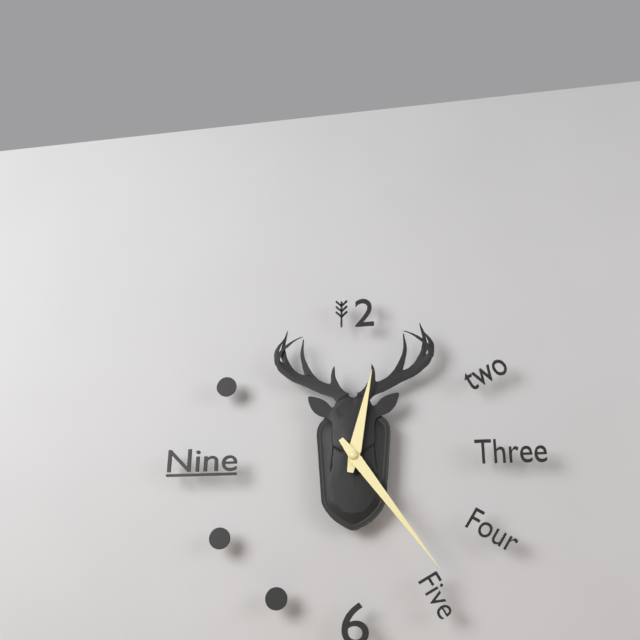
{"hour": 12, "minute": 24}
